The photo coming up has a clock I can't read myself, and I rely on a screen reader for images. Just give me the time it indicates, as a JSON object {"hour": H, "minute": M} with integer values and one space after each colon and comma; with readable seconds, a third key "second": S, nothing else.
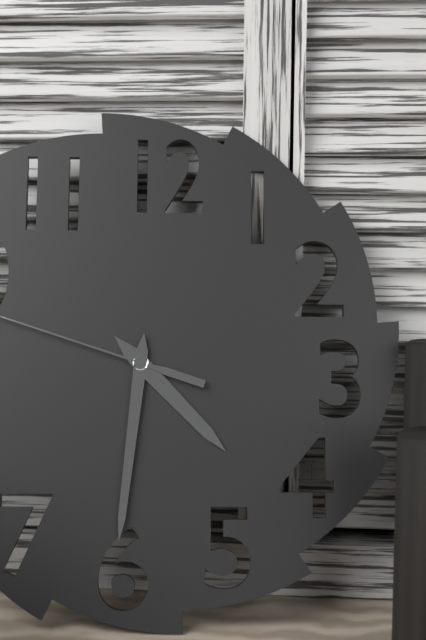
{"hour": 4, "minute": 31}
